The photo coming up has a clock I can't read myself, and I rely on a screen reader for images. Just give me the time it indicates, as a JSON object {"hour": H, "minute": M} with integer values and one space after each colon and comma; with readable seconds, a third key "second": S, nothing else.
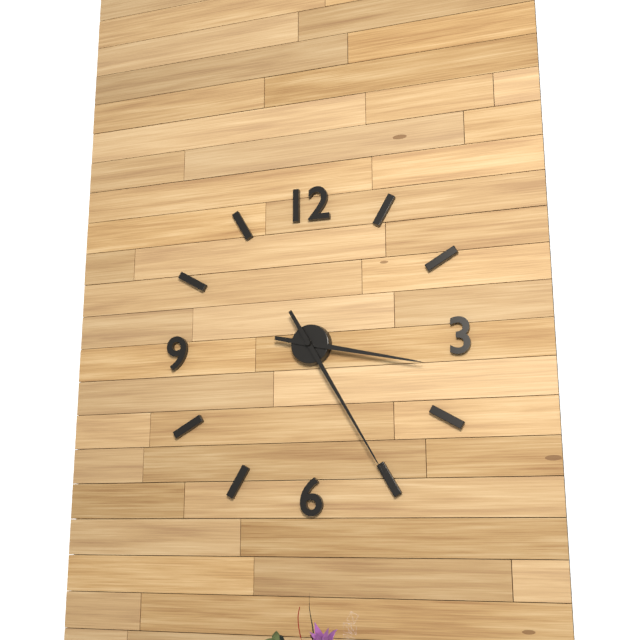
{"hour": 3, "minute": 25}
